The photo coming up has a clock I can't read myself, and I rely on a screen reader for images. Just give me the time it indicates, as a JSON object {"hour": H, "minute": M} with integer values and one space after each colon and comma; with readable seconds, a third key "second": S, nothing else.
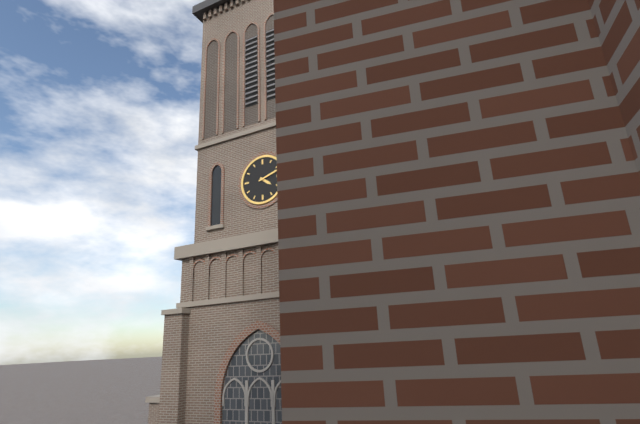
{"hour": 4, "minute": 12}
